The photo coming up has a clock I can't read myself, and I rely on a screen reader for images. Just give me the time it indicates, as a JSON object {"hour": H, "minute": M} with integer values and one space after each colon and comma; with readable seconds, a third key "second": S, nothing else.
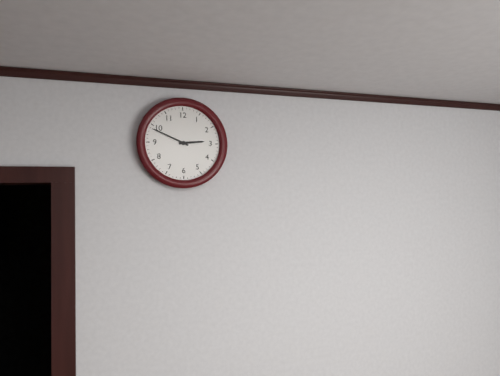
{"hour": 2, "minute": 49}
